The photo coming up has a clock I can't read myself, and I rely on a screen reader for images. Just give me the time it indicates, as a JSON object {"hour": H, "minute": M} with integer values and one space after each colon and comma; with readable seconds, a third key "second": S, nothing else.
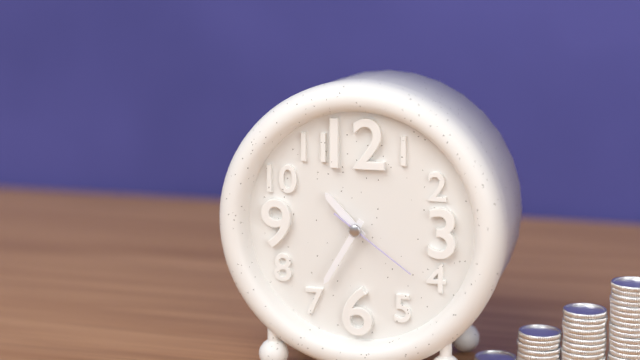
{"hour": 10, "minute": 35, "second": 21}
